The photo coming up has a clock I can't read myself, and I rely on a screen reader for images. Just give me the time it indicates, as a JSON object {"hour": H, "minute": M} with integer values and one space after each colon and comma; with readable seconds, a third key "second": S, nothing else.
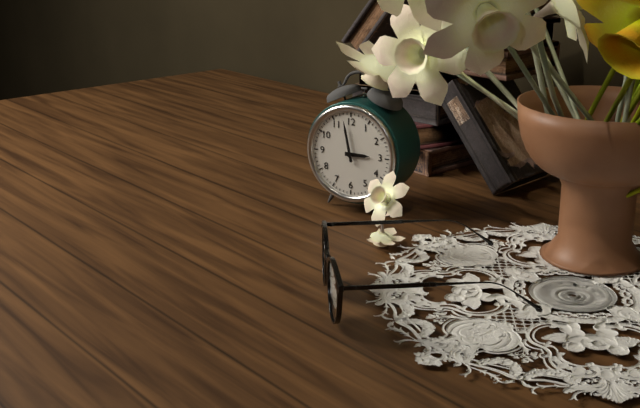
{"hour": 2, "minute": 58}
